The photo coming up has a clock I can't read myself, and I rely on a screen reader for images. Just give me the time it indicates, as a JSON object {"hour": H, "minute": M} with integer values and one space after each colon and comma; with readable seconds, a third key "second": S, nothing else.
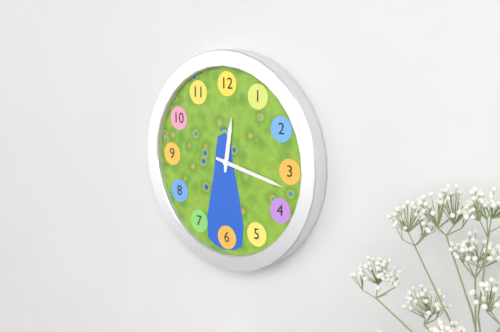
{"hour": 12, "minute": 17}
